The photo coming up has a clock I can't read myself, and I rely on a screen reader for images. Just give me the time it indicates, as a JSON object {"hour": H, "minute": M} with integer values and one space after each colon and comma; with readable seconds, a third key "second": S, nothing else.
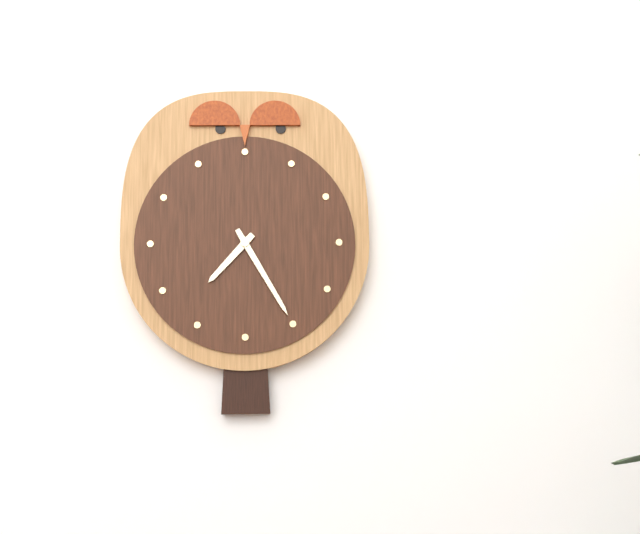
{"hour": 7, "minute": 25}
